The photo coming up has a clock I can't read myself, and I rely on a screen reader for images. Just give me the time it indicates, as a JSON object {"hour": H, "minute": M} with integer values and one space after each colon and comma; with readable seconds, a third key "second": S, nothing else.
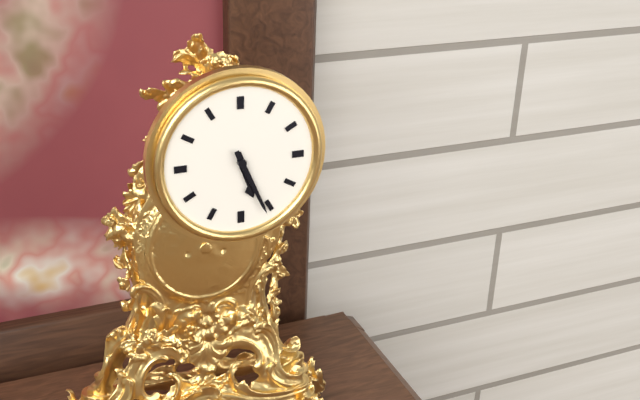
{"hour": 5, "minute": 26}
